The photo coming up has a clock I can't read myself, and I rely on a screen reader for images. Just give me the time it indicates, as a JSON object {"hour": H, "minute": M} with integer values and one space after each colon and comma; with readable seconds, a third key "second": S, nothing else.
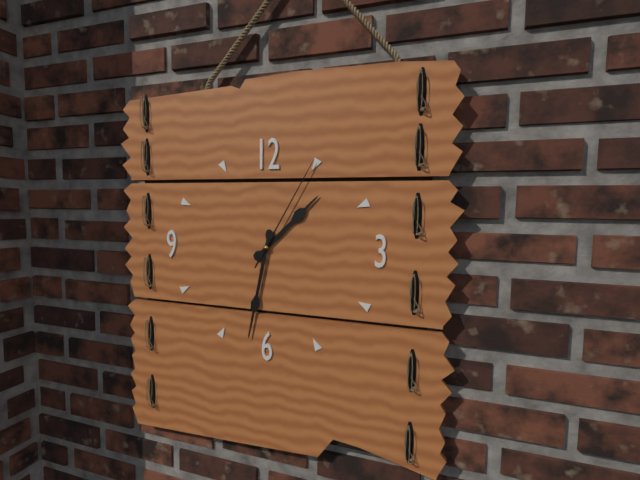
{"hour": 1, "minute": 32, "second": 5}
